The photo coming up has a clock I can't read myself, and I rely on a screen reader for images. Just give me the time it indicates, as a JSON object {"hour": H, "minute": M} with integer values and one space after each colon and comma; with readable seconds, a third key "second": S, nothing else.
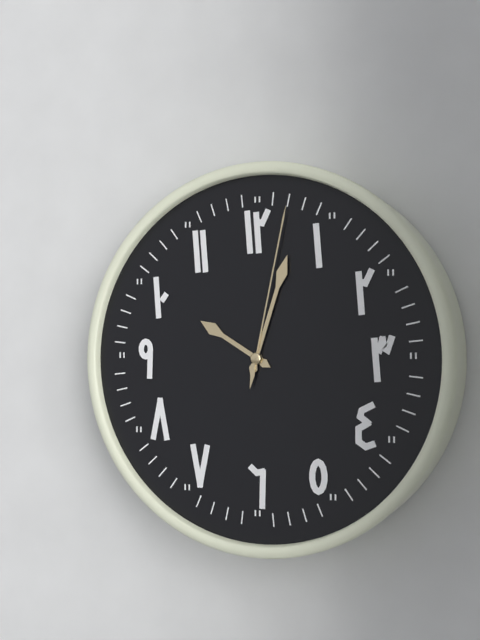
{"hour": 10, "minute": 3, "second": 2}
